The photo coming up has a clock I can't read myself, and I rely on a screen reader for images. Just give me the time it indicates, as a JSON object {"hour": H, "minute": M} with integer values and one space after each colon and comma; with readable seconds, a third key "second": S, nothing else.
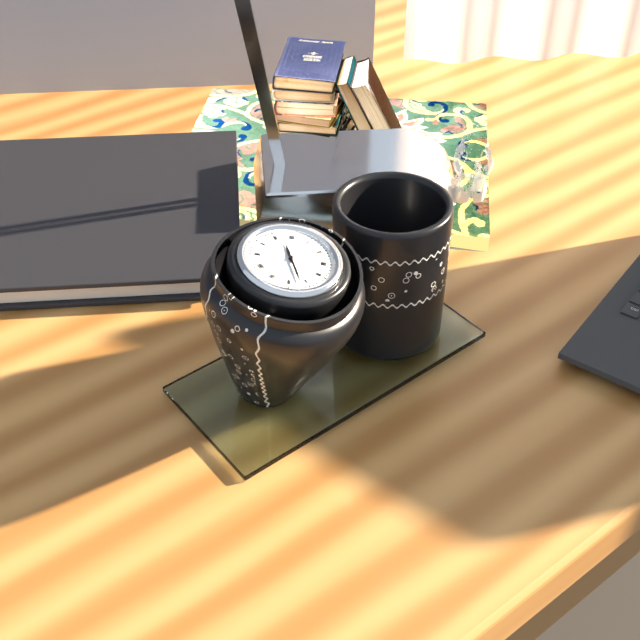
{"hour": 11, "minute": 27}
